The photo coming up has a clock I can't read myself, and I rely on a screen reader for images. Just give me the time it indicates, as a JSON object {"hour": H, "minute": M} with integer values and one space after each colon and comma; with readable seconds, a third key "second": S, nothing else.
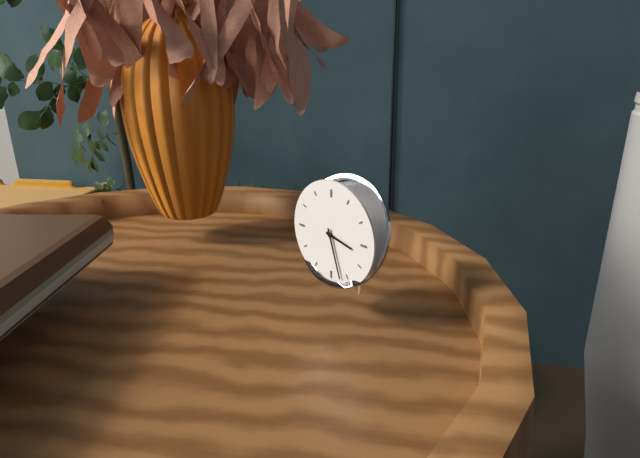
{"hour": 3, "minute": 27}
